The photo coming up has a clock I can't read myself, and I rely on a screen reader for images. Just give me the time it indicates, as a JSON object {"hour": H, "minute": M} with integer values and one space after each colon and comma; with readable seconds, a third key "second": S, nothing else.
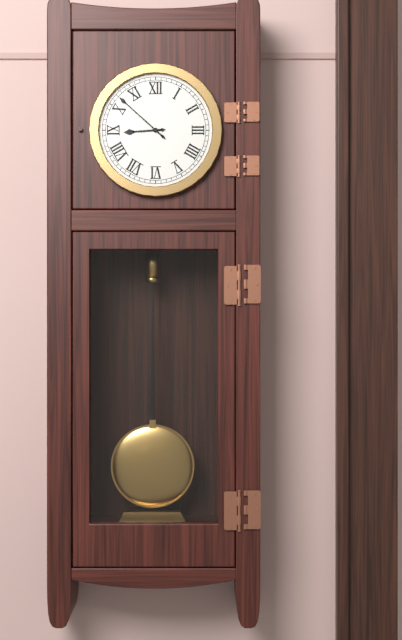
{"hour": 8, "minute": 52}
